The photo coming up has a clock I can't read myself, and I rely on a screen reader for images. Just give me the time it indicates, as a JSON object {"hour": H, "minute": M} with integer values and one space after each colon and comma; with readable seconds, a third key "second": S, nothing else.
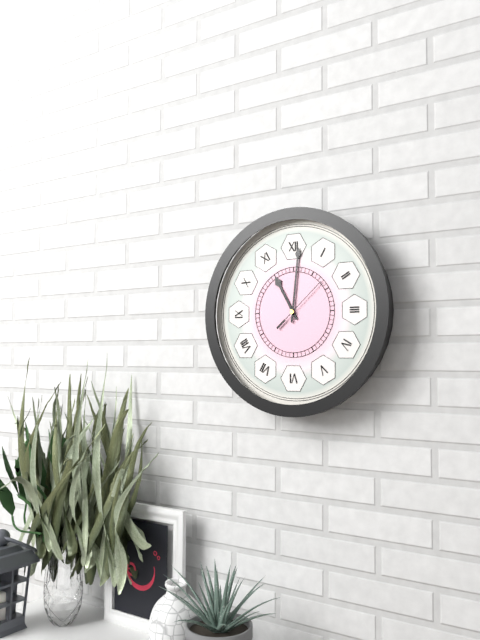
{"hour": 11, "minute": 1, "second": 8}
